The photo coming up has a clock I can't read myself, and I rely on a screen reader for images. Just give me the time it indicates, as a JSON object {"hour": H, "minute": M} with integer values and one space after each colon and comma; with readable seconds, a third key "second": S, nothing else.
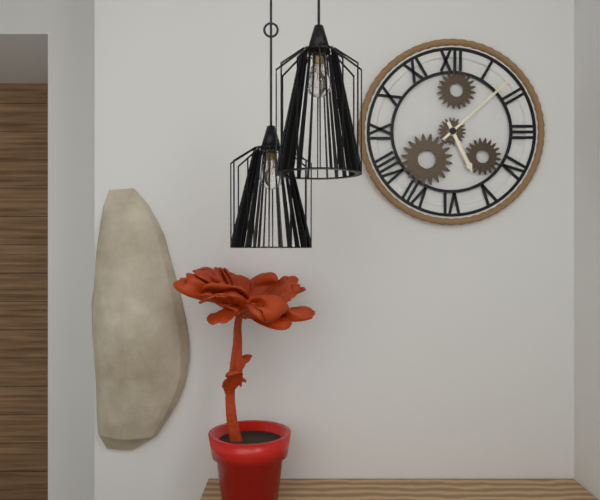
{"hour": 5, "minute": 8}
